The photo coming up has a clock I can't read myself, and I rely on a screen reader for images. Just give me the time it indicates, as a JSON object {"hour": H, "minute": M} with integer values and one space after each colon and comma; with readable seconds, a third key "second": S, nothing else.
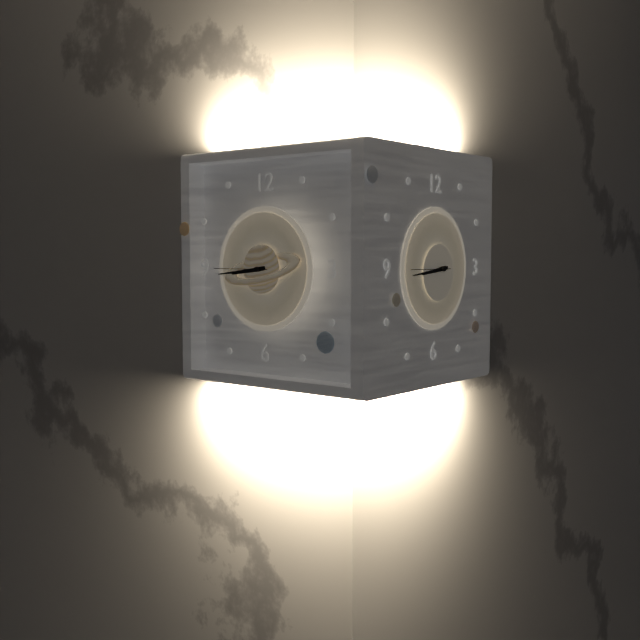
{"hour": 8, "minute": 44, "second": 45}
